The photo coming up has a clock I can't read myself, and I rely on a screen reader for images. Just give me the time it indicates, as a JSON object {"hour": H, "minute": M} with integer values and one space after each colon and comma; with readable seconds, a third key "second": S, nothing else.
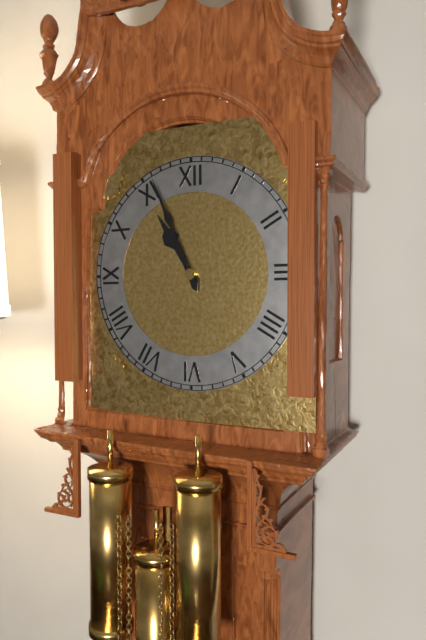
{"hour": 10, "minute": 56}
